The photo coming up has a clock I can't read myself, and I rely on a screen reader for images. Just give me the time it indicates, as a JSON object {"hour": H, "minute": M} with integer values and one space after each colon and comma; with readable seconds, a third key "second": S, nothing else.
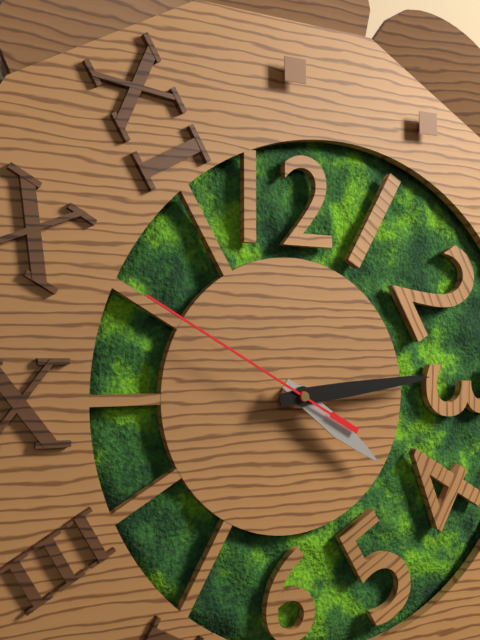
{"hour": 4, "minute": 14, "second": 50}
